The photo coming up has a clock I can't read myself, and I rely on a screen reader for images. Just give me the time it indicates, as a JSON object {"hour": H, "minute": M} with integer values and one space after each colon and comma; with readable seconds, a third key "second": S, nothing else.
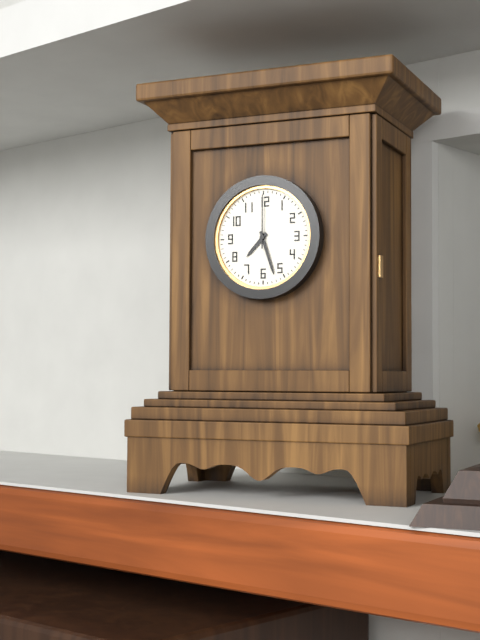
{"hour": 7, "minute": 27, "second": 0}
